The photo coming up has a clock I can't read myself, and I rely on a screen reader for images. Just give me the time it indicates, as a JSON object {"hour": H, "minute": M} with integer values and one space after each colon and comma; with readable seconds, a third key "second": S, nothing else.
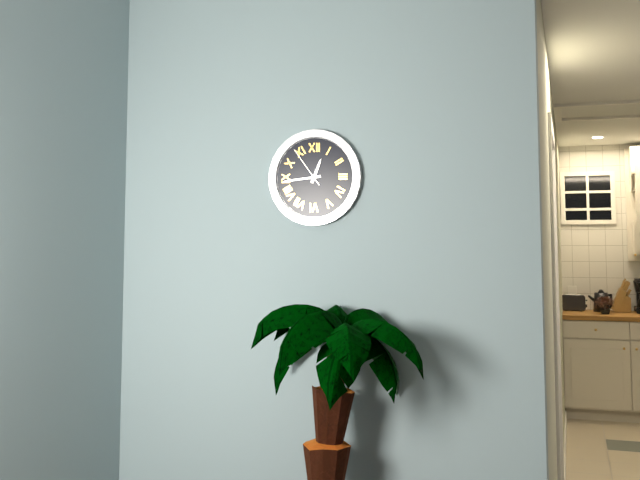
{"hour": 12, "minute": 44}
